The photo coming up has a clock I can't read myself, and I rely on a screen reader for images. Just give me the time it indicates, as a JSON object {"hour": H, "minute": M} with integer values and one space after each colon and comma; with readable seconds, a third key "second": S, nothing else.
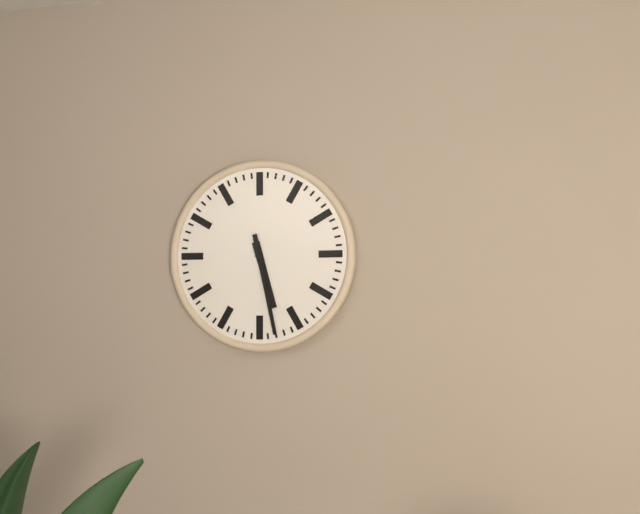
{"hour": 5, "minute": 28}
